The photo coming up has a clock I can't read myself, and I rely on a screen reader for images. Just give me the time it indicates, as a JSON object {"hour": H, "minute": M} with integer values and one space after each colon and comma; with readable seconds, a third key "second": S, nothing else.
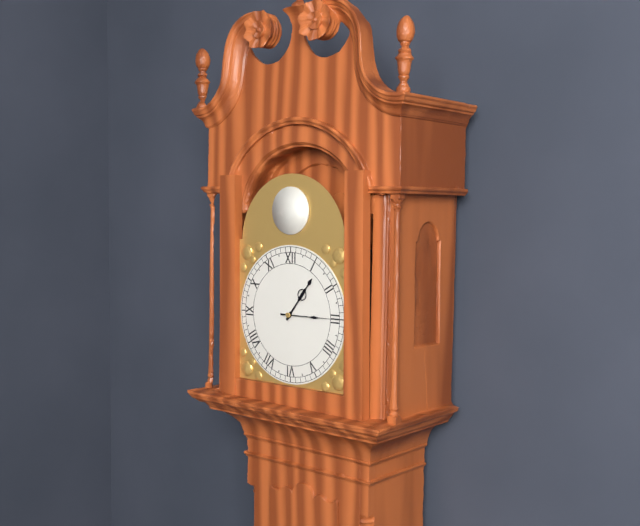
{"hour": 1, "minute": 15}
